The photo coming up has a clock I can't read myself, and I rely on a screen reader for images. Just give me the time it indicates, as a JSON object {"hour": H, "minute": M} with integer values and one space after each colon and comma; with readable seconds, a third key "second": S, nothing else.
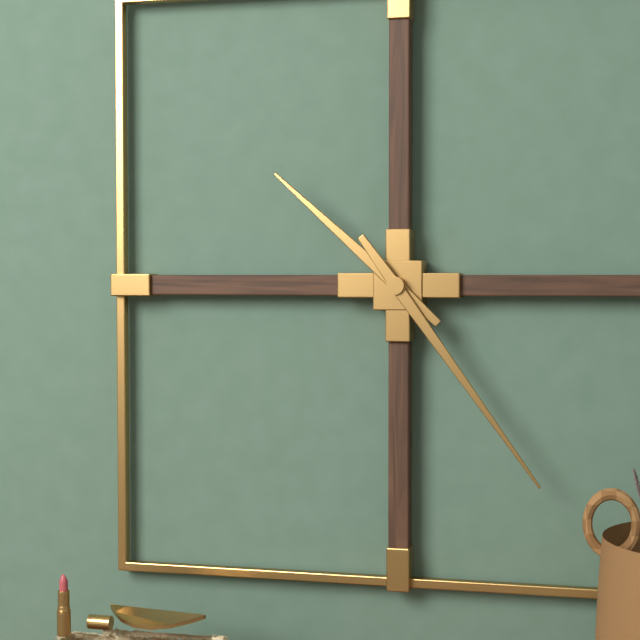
{"hour": 10, "minute": 24}
